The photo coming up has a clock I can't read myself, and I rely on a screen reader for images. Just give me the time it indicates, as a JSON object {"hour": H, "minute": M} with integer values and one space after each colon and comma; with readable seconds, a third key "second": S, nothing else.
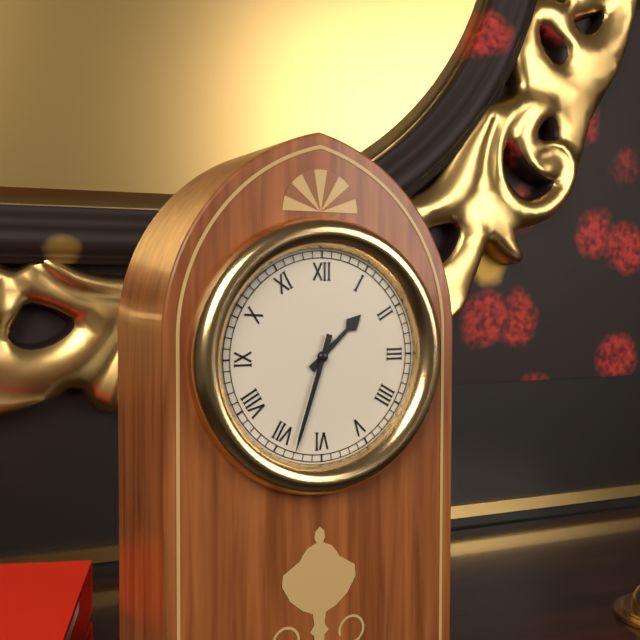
{"hour": 1, "minute": 33}
